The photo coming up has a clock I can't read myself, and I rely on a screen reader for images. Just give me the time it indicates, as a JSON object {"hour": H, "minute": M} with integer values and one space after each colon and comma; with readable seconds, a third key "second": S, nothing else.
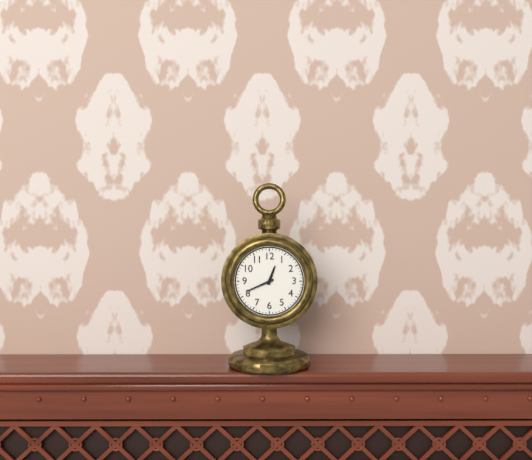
{"hour": 12, "minute": 41}
